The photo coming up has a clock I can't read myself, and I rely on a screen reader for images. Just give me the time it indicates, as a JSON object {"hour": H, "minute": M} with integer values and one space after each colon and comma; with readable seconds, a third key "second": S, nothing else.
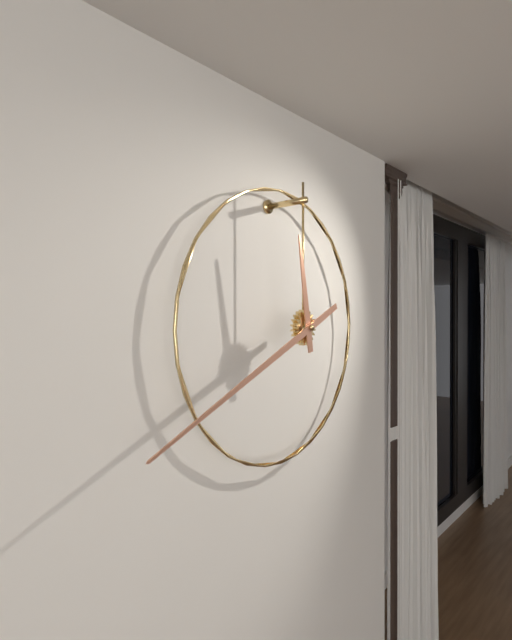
{"hour": 11, "minute": 41}
